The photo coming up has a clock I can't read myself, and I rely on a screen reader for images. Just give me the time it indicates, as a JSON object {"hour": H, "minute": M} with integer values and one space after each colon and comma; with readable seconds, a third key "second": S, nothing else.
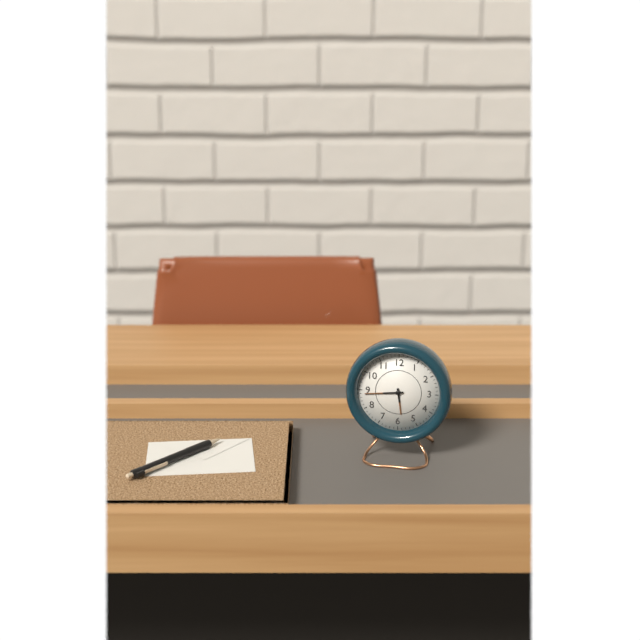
{"hour": 5, "minute": 44}
